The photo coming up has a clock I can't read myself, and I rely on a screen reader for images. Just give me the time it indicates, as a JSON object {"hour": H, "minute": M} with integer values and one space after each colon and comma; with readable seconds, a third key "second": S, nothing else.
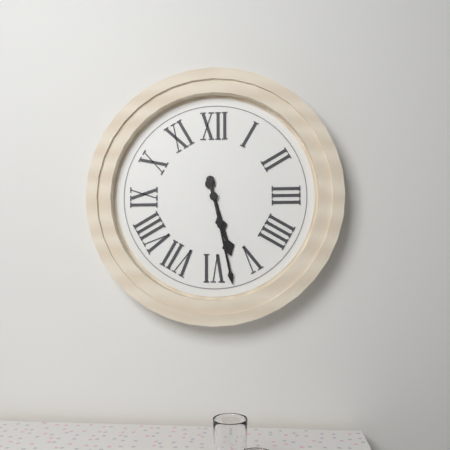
{"hour": 5, "minute": 28}
